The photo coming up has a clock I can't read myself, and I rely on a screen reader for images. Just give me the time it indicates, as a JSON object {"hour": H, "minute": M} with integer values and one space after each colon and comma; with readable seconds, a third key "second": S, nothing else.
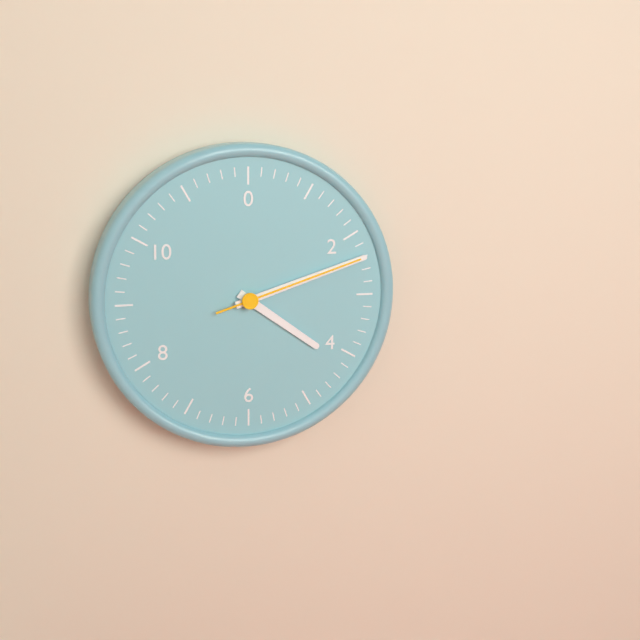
{"hour": 4, "minute": 12, "second": 12}
